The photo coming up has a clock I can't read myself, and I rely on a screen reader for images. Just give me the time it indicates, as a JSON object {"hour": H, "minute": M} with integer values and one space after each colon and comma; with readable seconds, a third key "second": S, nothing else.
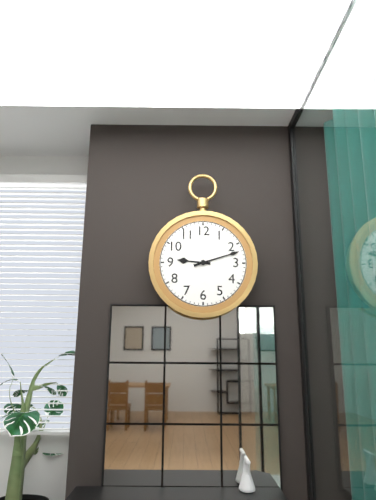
{"hour": 9, "minute": 12}
